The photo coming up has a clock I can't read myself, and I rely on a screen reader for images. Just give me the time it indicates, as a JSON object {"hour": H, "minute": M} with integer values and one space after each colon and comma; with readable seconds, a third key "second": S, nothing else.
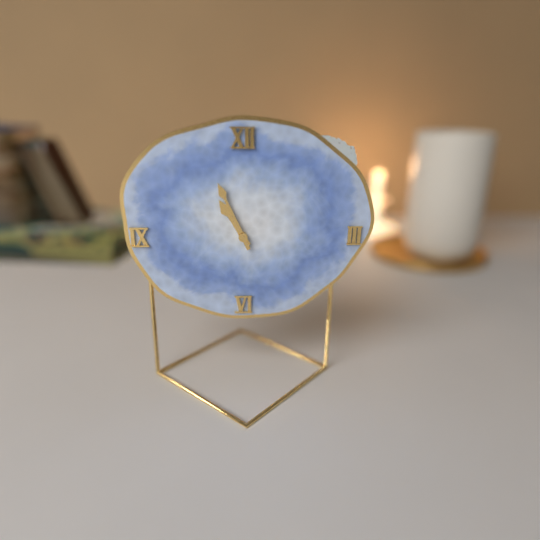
{"hour": 10, "minute": 56}
